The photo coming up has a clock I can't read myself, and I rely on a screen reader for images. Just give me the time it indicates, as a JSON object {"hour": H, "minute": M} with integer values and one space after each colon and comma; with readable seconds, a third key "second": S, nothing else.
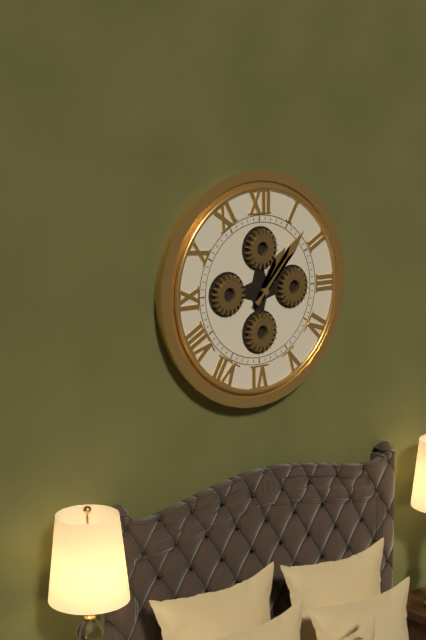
{"hour": 1, "minute": 7}
